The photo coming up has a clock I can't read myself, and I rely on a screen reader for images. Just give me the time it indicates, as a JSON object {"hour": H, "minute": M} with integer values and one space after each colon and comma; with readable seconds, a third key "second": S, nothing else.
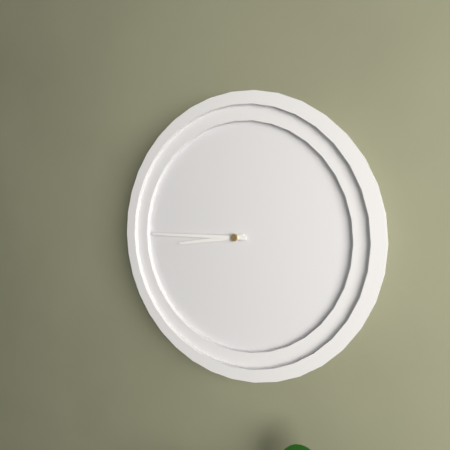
{"hour": 8, "minute": 45}
